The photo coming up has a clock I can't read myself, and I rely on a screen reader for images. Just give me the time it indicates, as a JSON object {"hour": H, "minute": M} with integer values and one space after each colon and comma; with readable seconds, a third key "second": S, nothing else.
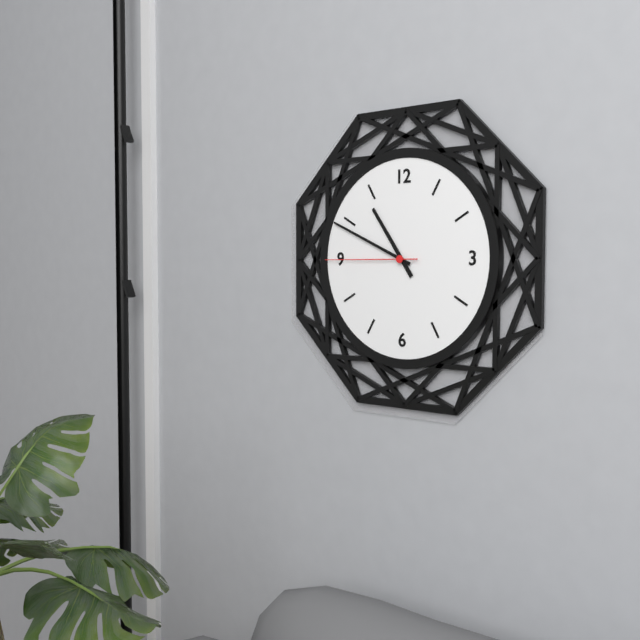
{"hour": 10, "minute": 49, "second": 45}
